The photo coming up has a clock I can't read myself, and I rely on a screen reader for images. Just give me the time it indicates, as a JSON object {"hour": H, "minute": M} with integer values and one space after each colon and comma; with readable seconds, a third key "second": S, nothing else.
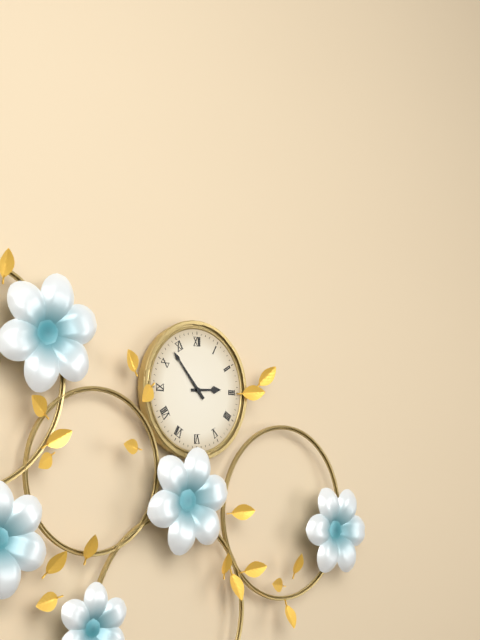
{"hour": 2, "minute": 53}
